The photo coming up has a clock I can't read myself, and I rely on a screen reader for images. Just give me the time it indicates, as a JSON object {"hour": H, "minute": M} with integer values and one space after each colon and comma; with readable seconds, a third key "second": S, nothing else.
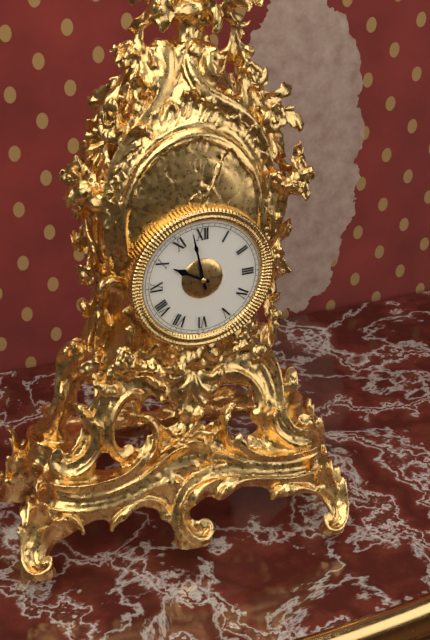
{"hour": 9, "minute": 58}
